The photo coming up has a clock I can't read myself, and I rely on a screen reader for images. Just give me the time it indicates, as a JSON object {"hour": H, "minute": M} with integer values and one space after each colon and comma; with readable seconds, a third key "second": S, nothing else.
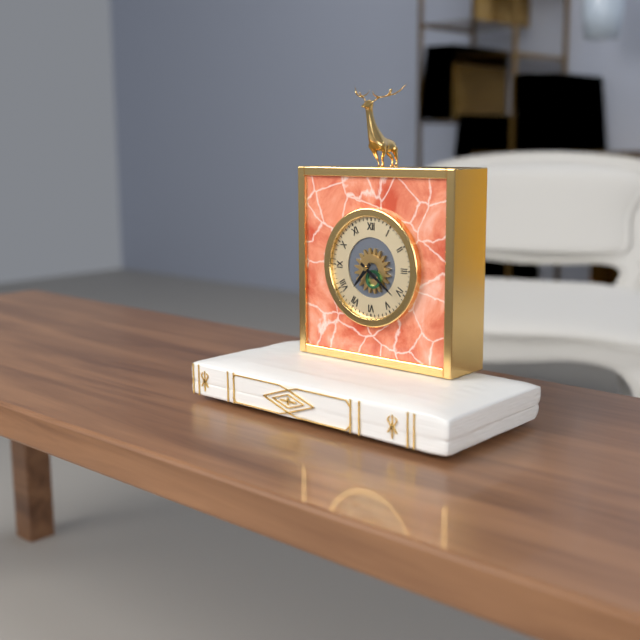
{"hour": 7, "minute": 21}
